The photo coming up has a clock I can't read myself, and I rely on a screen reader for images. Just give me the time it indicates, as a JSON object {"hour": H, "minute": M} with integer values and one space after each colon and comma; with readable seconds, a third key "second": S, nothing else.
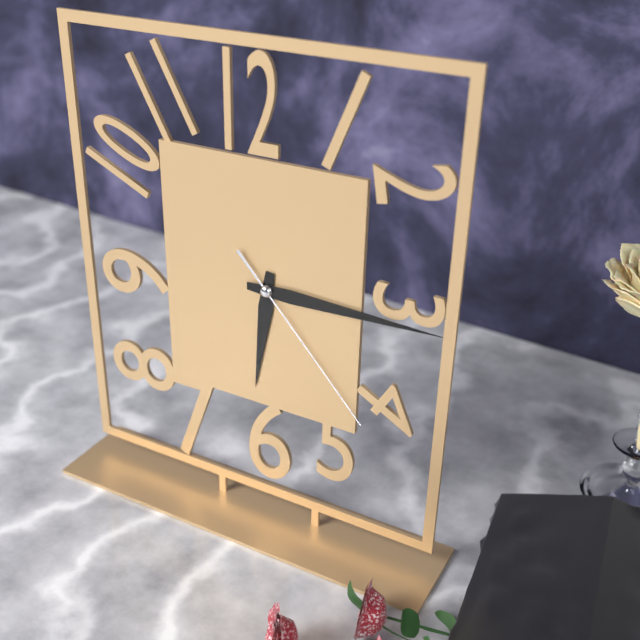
{"hour": 6, "minute": 15, "second": 23}
